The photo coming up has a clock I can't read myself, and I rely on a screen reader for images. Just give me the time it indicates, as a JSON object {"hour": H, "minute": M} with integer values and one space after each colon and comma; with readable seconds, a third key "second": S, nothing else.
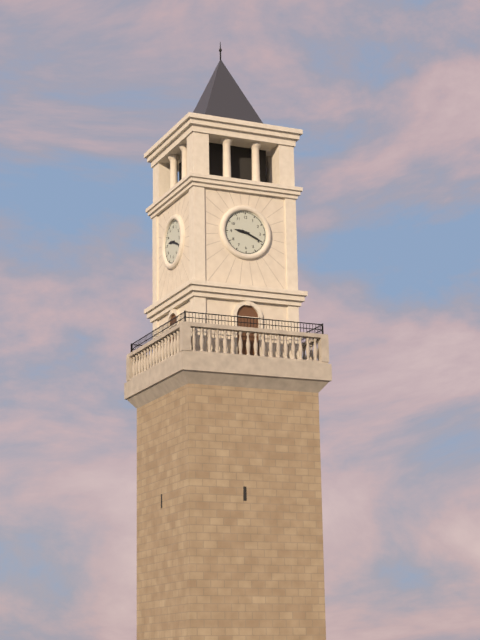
{"hour": 9, "minute": 19}
